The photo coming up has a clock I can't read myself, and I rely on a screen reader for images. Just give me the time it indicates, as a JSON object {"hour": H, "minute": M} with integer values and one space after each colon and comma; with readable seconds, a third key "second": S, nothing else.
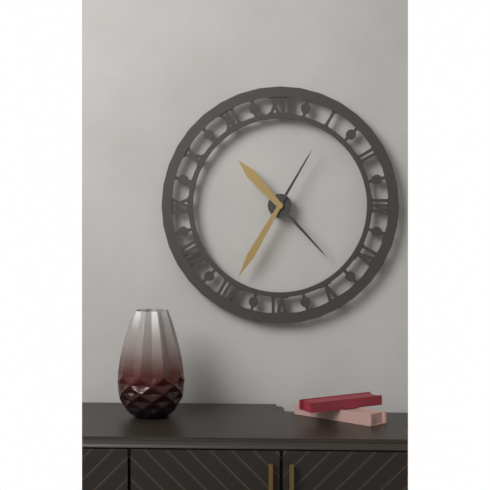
{"hour": 10, "minute": 35}
